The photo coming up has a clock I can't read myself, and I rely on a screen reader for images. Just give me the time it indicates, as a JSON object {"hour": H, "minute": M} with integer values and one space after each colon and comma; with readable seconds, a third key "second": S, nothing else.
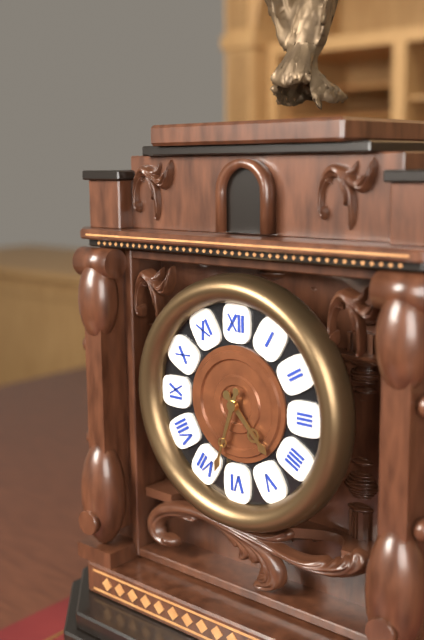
{"hour": 4, "minute": 33}
